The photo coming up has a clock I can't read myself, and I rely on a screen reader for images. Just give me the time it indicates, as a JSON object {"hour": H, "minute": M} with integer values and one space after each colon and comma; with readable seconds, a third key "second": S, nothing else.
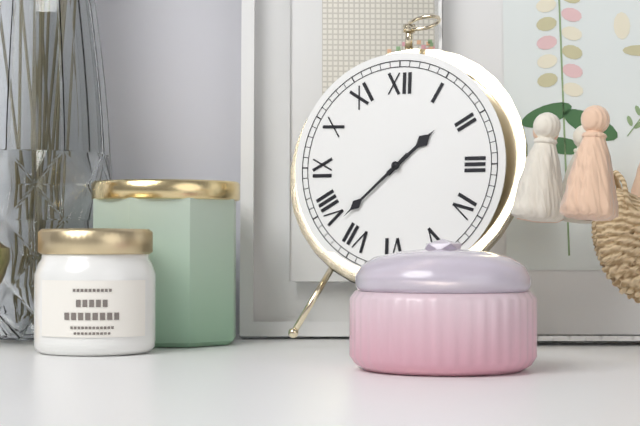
{"hour": 1, "minute": 38}
